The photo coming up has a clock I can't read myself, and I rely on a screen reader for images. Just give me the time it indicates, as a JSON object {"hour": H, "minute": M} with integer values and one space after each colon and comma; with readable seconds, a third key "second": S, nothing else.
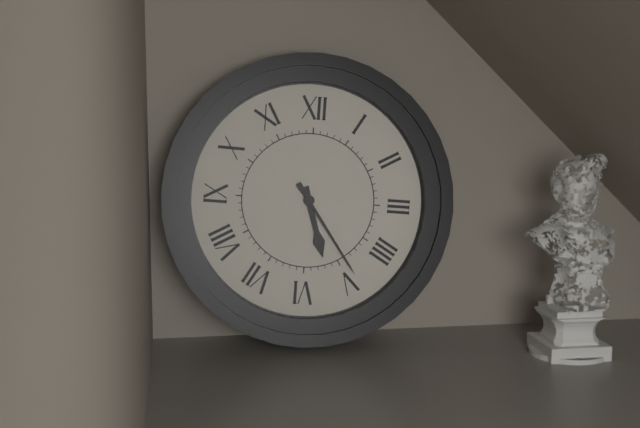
{"hour": 5, "minute": 24}
